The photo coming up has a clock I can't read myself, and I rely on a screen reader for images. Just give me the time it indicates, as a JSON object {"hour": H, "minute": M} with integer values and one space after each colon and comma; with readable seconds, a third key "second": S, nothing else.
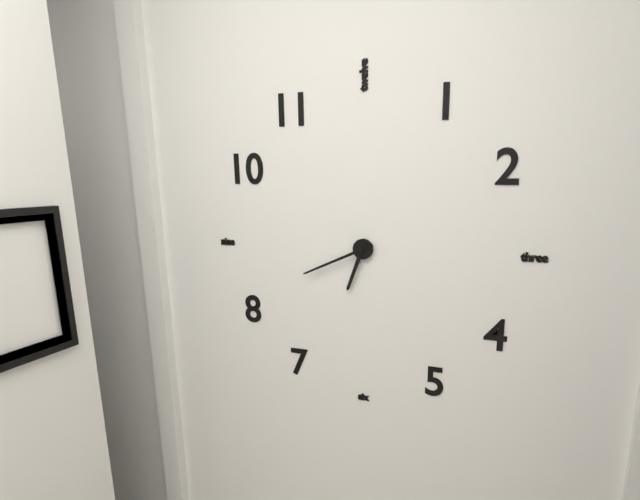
{"hour": 6, "minute": 41}
